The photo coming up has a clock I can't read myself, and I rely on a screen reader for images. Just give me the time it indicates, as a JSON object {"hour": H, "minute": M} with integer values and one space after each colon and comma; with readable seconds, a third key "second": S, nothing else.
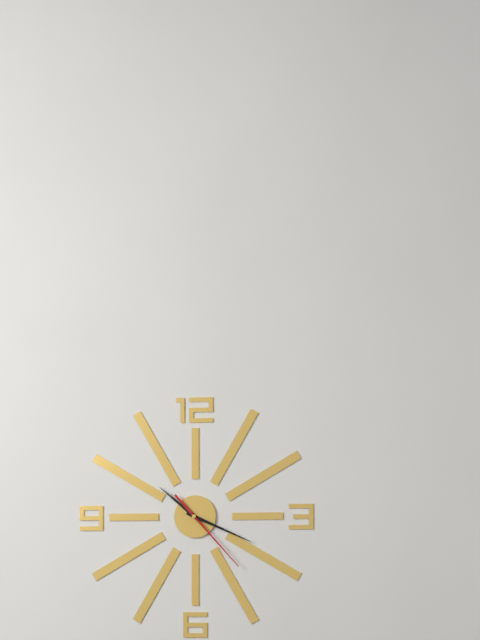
{"hour": 10, "minute": 19, "second": 23}
